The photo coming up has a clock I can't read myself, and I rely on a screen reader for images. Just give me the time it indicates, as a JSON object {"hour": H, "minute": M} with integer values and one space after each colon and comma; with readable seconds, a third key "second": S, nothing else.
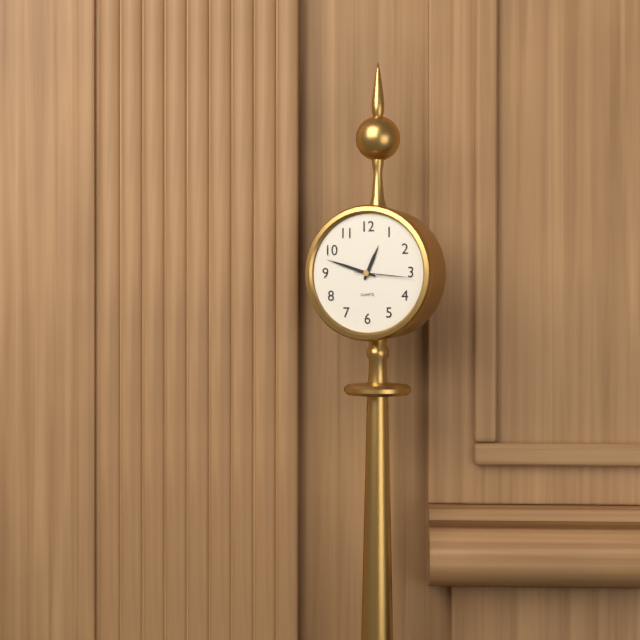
{"hour": 12, "minute": 48, "second": 16}
